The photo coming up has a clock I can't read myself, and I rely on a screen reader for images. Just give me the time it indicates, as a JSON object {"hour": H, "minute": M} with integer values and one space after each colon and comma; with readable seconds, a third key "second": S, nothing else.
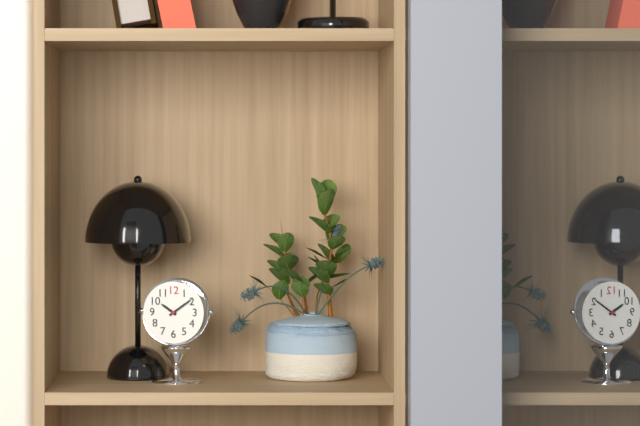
{"hour": 10, "minute": 9}
